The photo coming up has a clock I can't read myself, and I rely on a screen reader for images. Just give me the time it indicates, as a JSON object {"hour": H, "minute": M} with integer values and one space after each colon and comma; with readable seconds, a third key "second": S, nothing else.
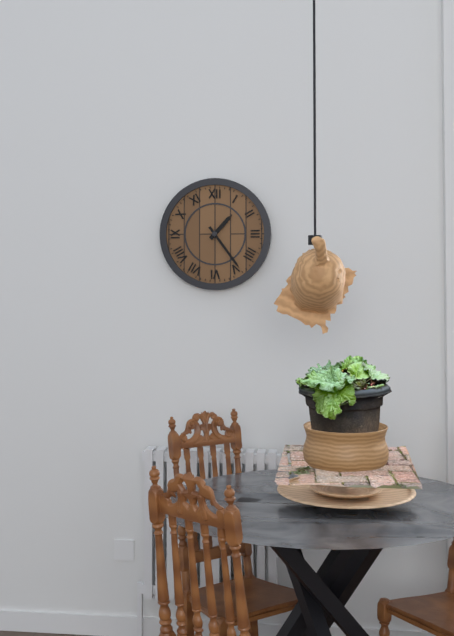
{"hour": 1, "minute": 24}
